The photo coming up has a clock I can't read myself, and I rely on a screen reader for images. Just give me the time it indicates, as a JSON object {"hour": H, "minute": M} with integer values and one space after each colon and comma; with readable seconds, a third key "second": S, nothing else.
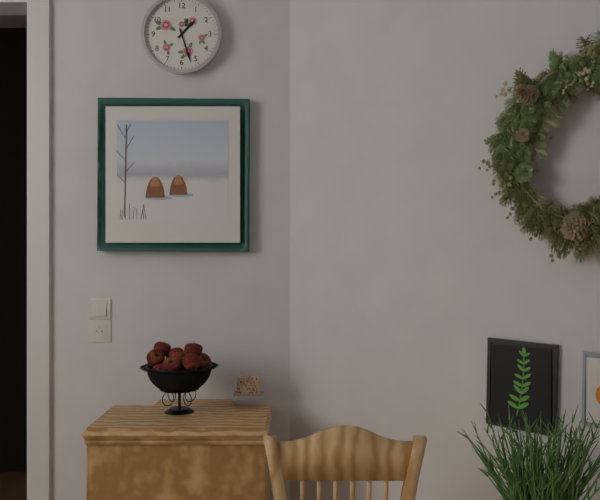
{"hour": 1, "minute": 27}
